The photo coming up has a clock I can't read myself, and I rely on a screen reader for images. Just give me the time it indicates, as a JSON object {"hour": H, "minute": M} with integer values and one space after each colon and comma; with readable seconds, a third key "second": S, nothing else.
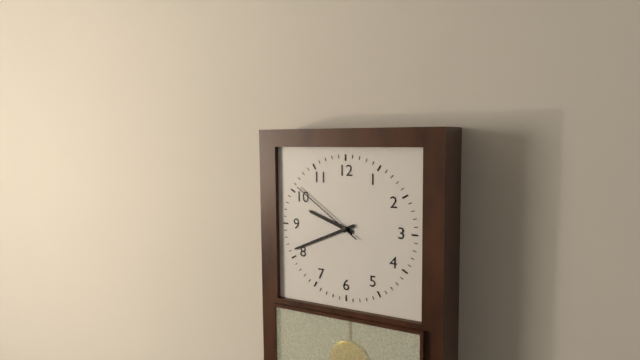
{"hour": 9, "minute": 41, "second": 51}
